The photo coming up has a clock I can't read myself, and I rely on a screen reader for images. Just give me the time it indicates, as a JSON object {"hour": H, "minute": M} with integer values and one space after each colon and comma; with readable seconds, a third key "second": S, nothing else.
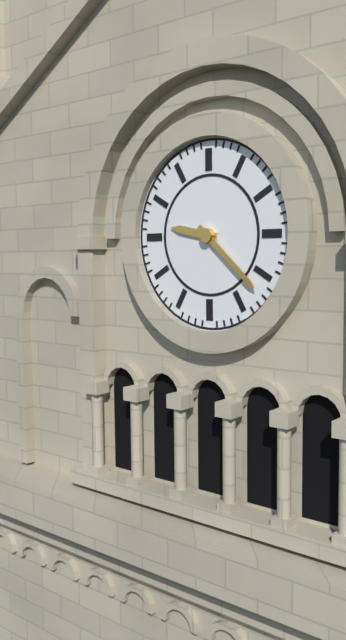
{"hour": 9, "minute": 22}
